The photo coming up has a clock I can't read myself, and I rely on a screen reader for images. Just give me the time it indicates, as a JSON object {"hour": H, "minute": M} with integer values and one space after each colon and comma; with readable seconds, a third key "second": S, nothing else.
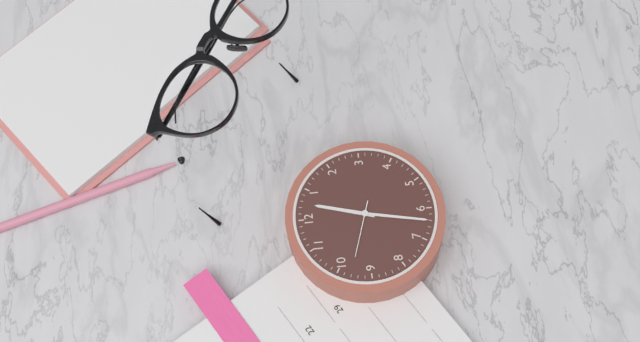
{"hour": 12, "minute": 32}
